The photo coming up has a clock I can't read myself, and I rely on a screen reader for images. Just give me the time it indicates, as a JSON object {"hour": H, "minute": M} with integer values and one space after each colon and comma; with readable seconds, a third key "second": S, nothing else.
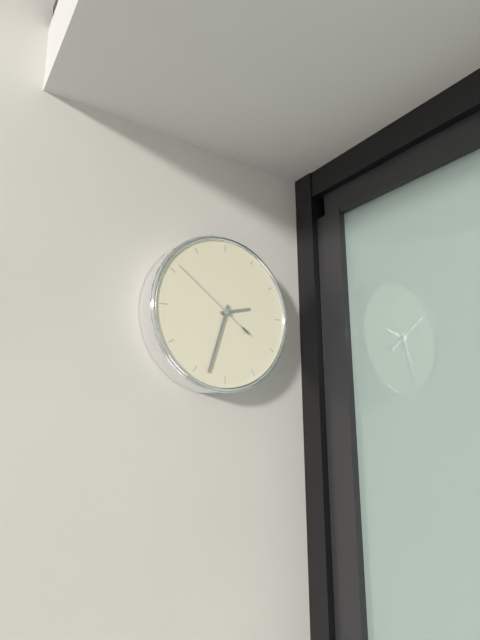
{"hour": 2, "minute": 33, "second": 51}
